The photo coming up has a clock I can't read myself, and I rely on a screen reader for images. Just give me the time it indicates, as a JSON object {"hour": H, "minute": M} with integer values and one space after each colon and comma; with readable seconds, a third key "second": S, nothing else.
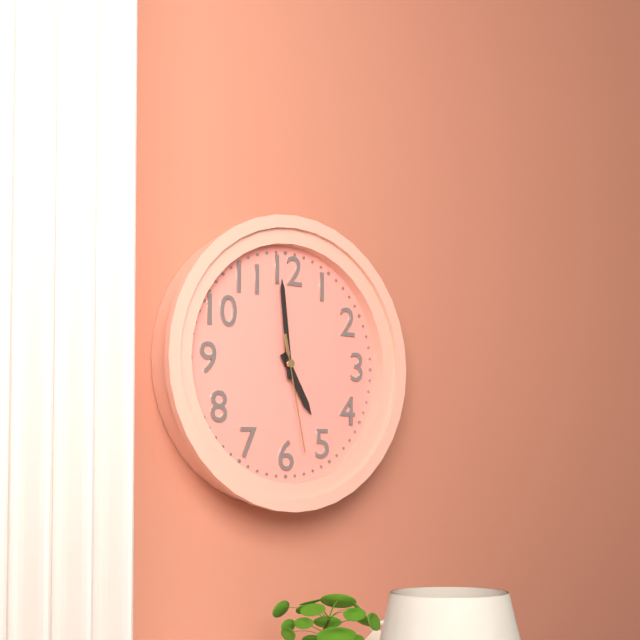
{"hour": 4, "minute": 59, "second": 28}
